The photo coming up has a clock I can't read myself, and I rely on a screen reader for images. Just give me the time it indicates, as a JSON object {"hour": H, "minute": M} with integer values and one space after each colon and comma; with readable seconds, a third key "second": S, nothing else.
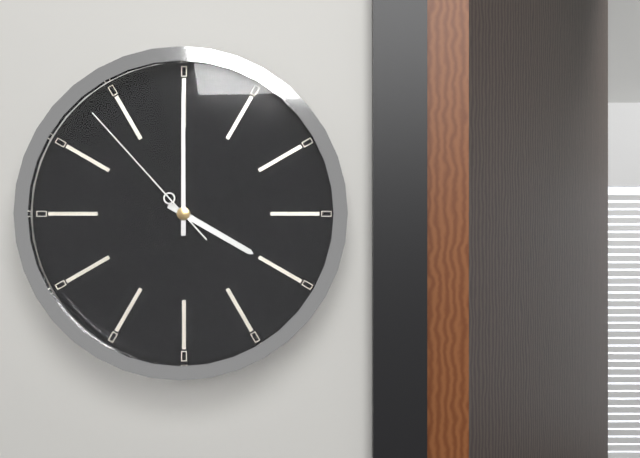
{"hour": 4, "minute": 0, "second": 53}
